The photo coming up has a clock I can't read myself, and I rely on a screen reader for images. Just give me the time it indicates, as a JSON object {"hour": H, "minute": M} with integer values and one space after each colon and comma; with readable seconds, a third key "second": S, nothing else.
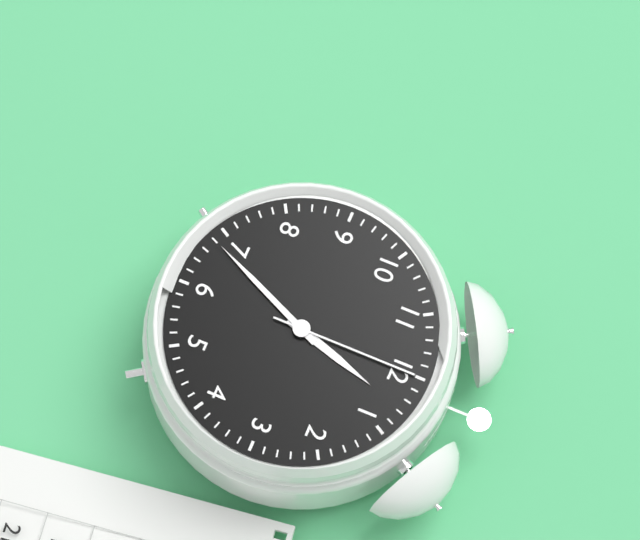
{"hour": 12, "minute": 34, "second": 0}
